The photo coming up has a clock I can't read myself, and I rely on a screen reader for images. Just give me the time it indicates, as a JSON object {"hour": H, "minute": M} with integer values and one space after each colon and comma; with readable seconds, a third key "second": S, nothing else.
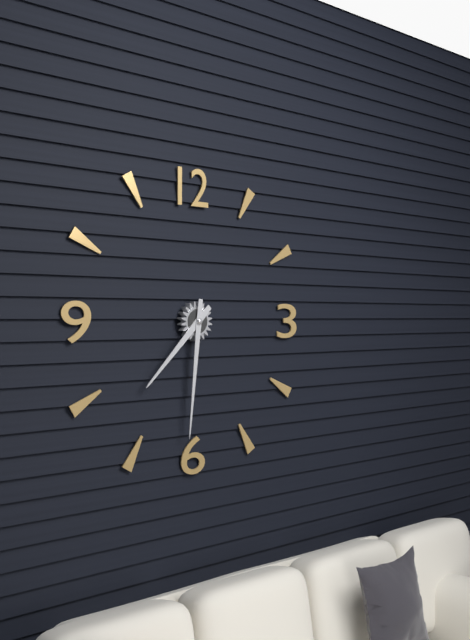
{"hour": 7, "minute": 31}
